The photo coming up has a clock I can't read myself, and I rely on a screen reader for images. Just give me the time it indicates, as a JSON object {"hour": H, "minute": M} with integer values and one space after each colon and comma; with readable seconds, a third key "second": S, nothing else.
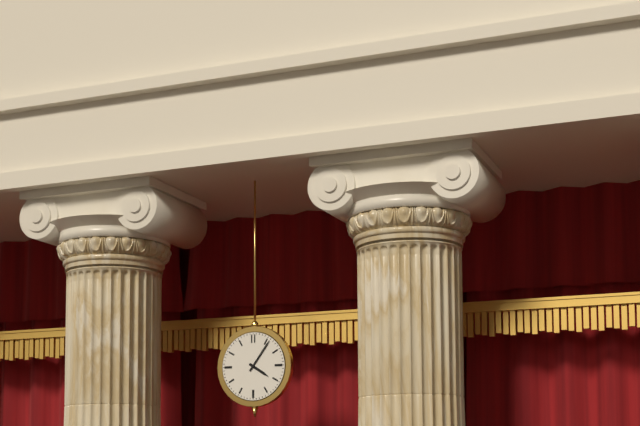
{"hour": 4, "minute": 6}
